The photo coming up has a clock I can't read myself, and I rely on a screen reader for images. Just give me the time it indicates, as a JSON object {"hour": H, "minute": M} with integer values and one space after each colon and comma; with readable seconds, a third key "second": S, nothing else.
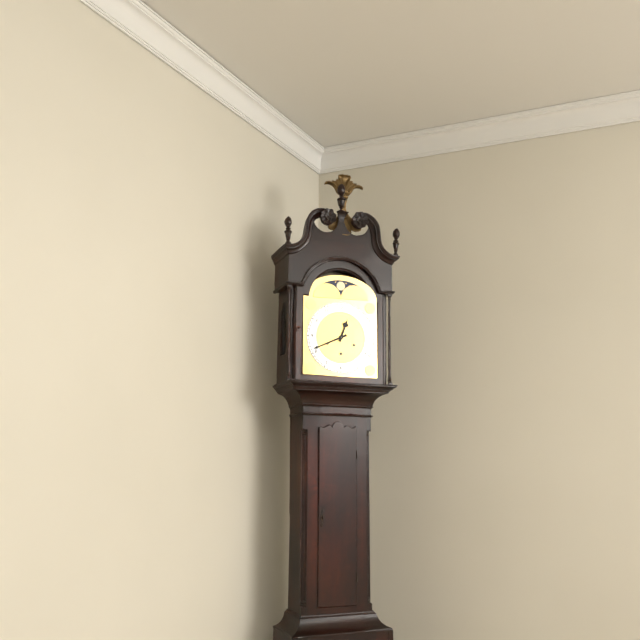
{"hour": 12, "minute": 41}
